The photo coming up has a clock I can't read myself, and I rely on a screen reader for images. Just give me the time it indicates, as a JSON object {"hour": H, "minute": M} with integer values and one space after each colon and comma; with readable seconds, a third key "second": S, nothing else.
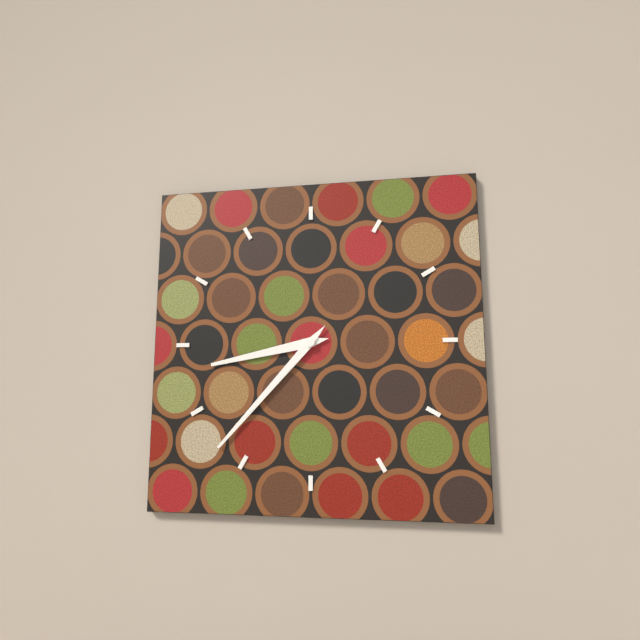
{"hour": 8, "minute": 37}
